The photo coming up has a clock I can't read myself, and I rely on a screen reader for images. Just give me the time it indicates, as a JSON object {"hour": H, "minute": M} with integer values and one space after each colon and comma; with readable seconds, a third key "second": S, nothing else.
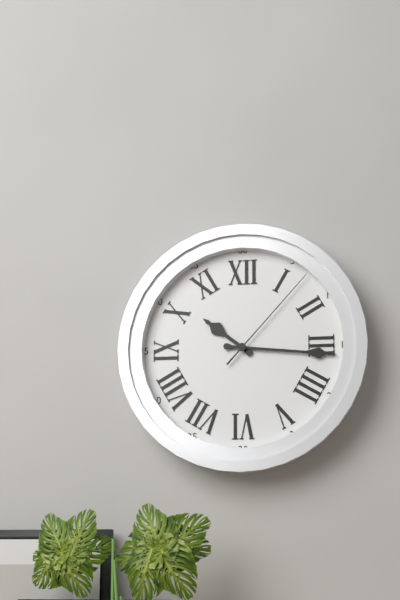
{"hour": 10, "minute": 16, "second": 7}
